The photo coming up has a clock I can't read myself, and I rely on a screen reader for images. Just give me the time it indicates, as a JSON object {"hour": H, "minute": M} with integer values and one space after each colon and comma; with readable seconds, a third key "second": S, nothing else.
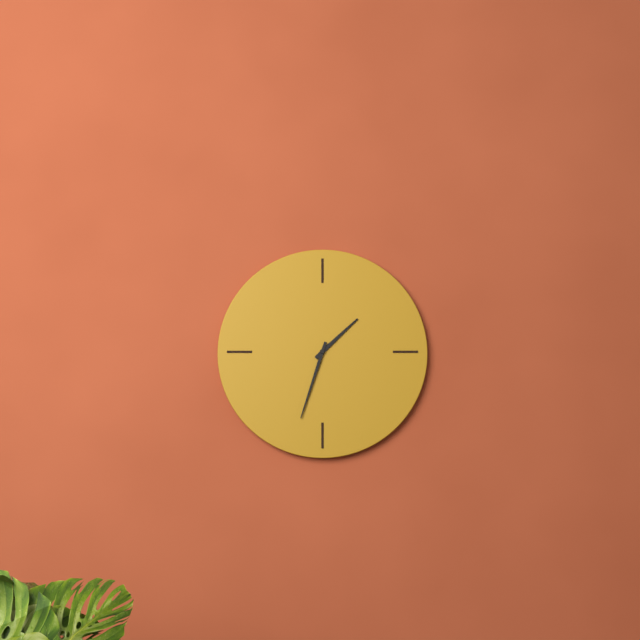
{"hour": 1, "minute": 33}
